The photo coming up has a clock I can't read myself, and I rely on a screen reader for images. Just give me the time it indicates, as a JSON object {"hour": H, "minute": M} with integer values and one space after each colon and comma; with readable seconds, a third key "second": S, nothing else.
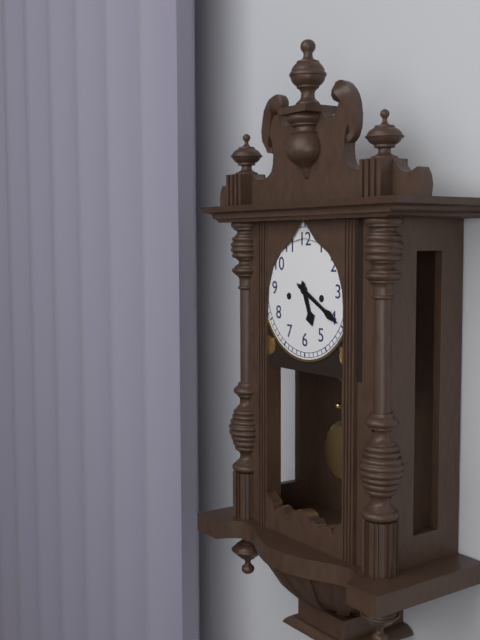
{"hour": 5, "minute": 20}
